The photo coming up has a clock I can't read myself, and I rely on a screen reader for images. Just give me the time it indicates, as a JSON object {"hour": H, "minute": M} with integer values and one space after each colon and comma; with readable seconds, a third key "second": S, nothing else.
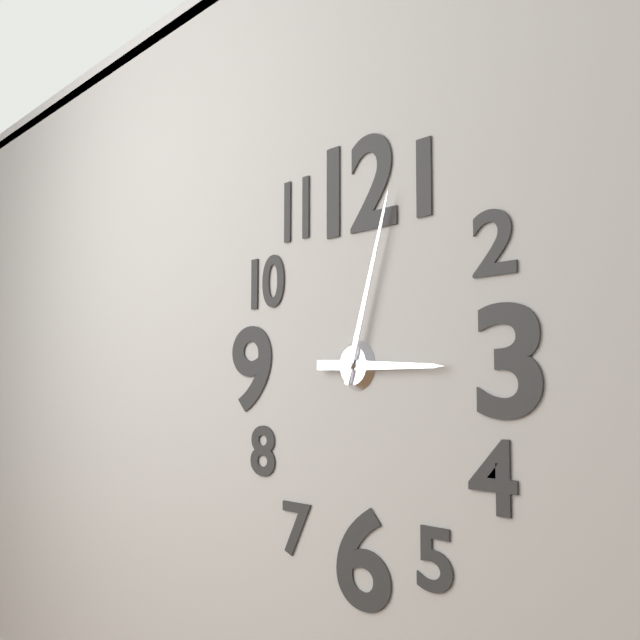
{"hour": 3, "minute": 3}
